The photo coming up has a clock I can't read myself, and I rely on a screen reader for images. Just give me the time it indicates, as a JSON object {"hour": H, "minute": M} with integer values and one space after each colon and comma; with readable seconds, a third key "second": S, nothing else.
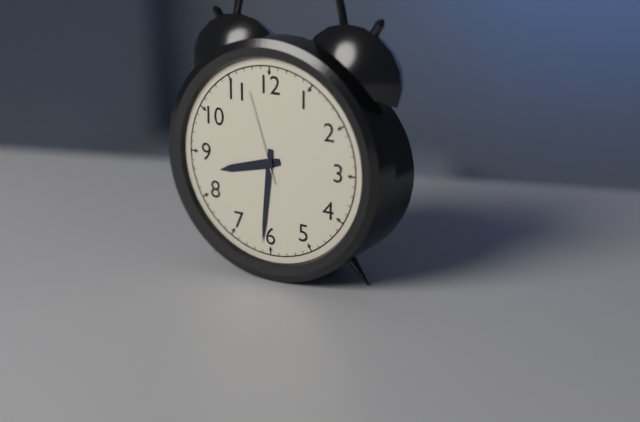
{"hour": 8, "minute": 31, "second": 57}
